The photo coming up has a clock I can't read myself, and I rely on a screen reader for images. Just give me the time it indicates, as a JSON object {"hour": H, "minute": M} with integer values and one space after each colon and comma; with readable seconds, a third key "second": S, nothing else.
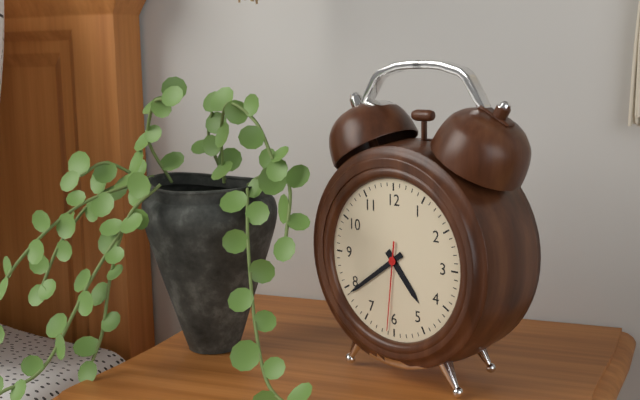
{"hour": 4, "minute": 39, "second": 31}
